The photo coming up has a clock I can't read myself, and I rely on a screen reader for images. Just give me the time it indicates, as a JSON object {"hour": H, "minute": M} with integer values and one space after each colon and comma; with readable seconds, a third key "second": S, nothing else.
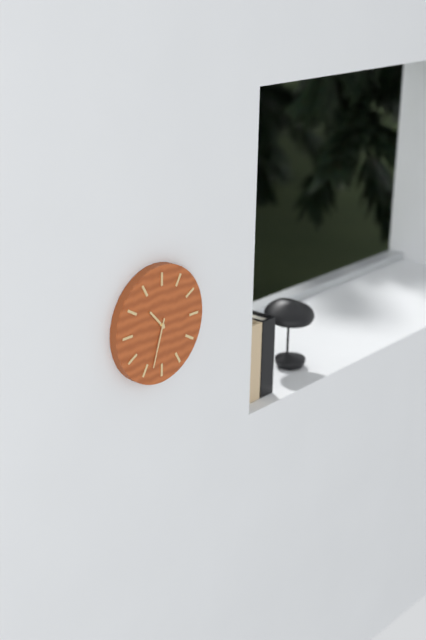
{"hour": 10, "minute": 33}
